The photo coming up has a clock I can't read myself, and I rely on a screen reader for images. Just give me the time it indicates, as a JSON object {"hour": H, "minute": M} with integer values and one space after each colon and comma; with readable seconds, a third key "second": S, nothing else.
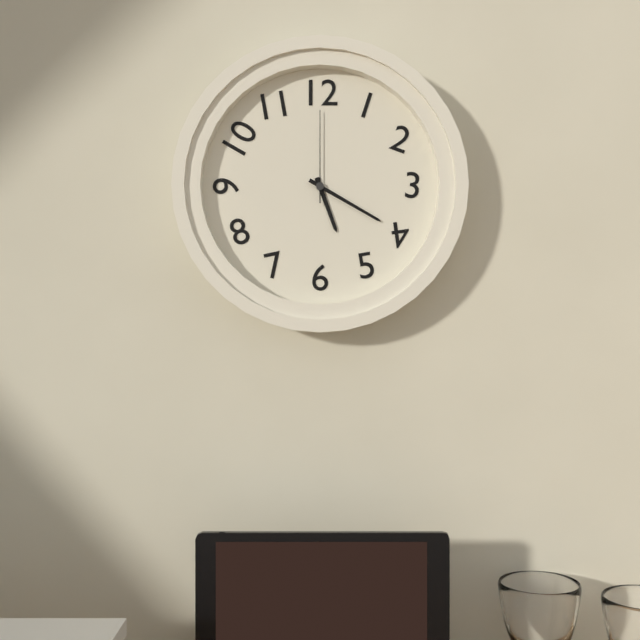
{"hour": 5, "minute": 20, "second": 0}
